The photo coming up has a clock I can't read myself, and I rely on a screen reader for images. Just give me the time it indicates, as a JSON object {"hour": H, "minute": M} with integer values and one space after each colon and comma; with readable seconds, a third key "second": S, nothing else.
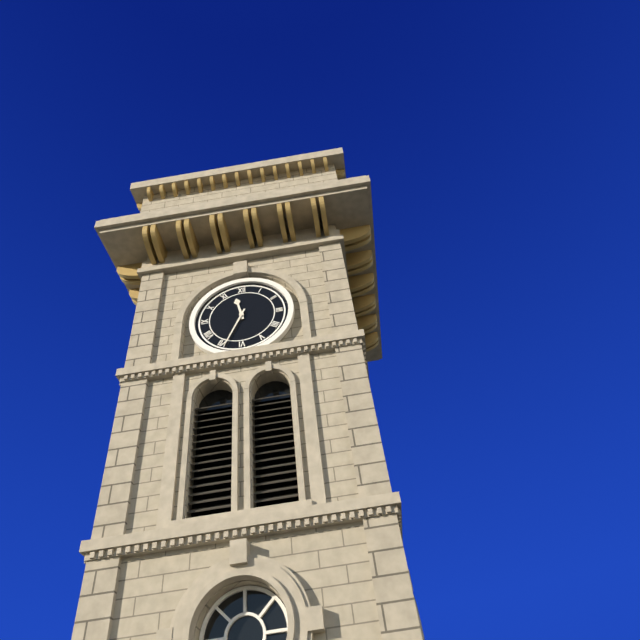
{"hour": 11, "minute": 34}
